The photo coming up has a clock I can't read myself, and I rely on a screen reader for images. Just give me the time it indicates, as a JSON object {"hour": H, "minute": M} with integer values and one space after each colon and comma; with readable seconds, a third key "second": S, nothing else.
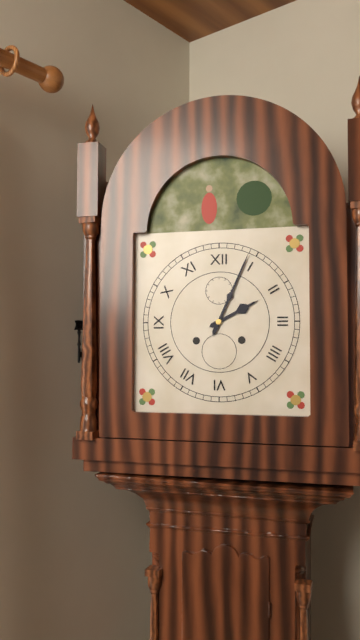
{"hour": 2, "minute": 4}
